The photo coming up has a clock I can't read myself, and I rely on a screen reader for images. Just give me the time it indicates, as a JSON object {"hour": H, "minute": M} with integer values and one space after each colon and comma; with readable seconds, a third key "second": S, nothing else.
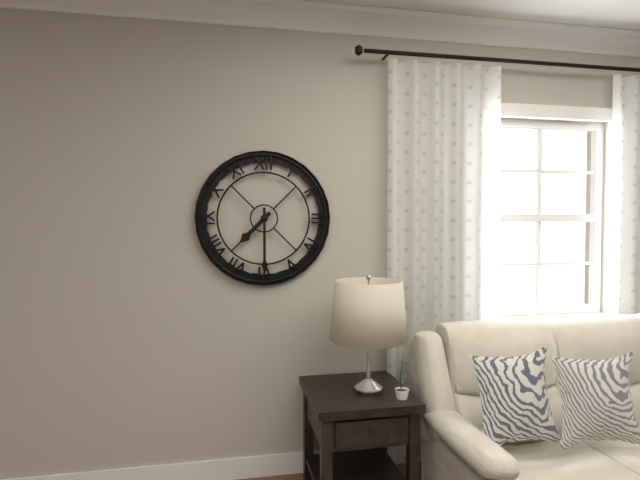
{"hour": 7, "minute": 30}
